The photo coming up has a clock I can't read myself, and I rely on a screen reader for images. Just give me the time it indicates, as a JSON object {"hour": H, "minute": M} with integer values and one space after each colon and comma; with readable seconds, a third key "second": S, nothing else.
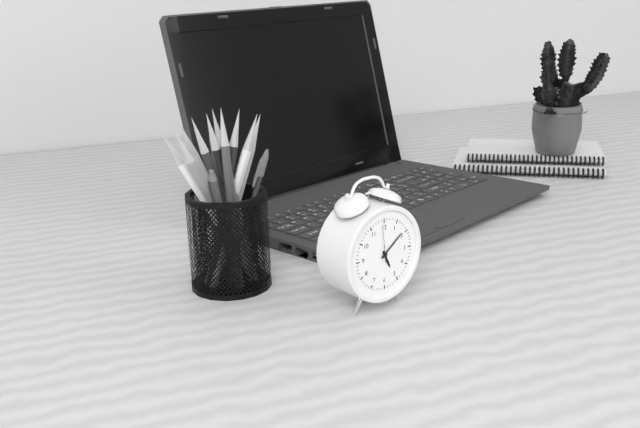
{"hour": 5, "minute": 9}
